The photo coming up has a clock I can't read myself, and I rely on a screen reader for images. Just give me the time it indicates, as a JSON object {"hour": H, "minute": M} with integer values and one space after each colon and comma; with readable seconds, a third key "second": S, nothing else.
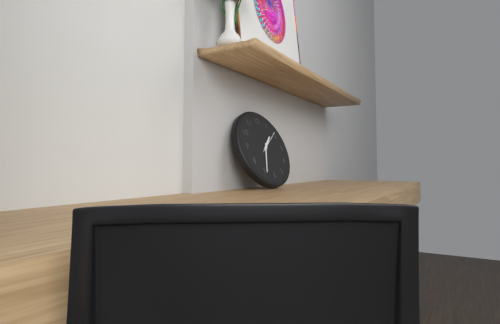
{"hour": 1, "minute": 34}
